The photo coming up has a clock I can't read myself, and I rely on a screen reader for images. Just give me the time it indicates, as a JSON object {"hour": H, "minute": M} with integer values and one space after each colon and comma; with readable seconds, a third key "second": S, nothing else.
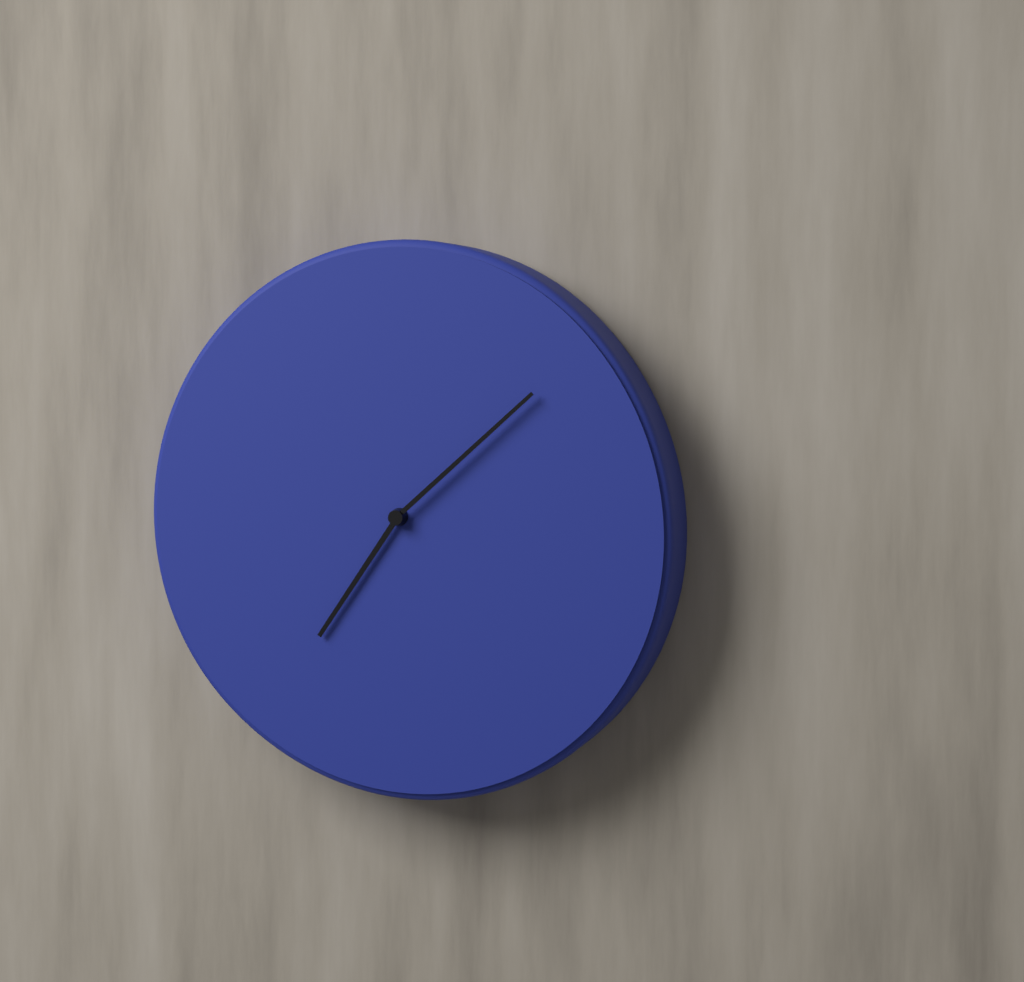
{"hour": 7, "minute": 8}
